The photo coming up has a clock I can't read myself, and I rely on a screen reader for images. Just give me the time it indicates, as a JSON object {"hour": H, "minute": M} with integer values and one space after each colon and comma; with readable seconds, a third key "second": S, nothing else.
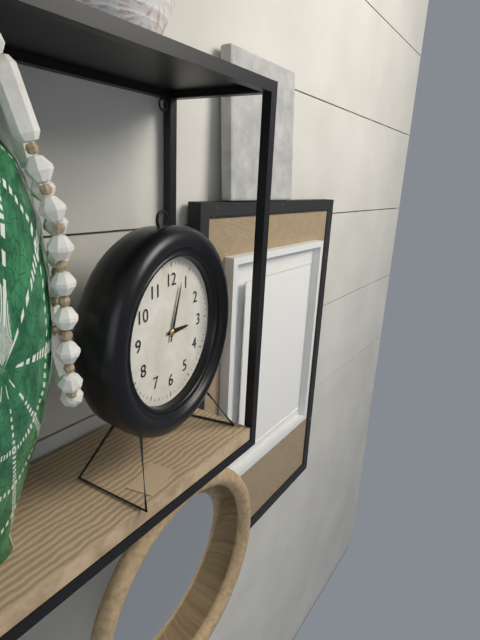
{"hour": 3, "minute": 3}
